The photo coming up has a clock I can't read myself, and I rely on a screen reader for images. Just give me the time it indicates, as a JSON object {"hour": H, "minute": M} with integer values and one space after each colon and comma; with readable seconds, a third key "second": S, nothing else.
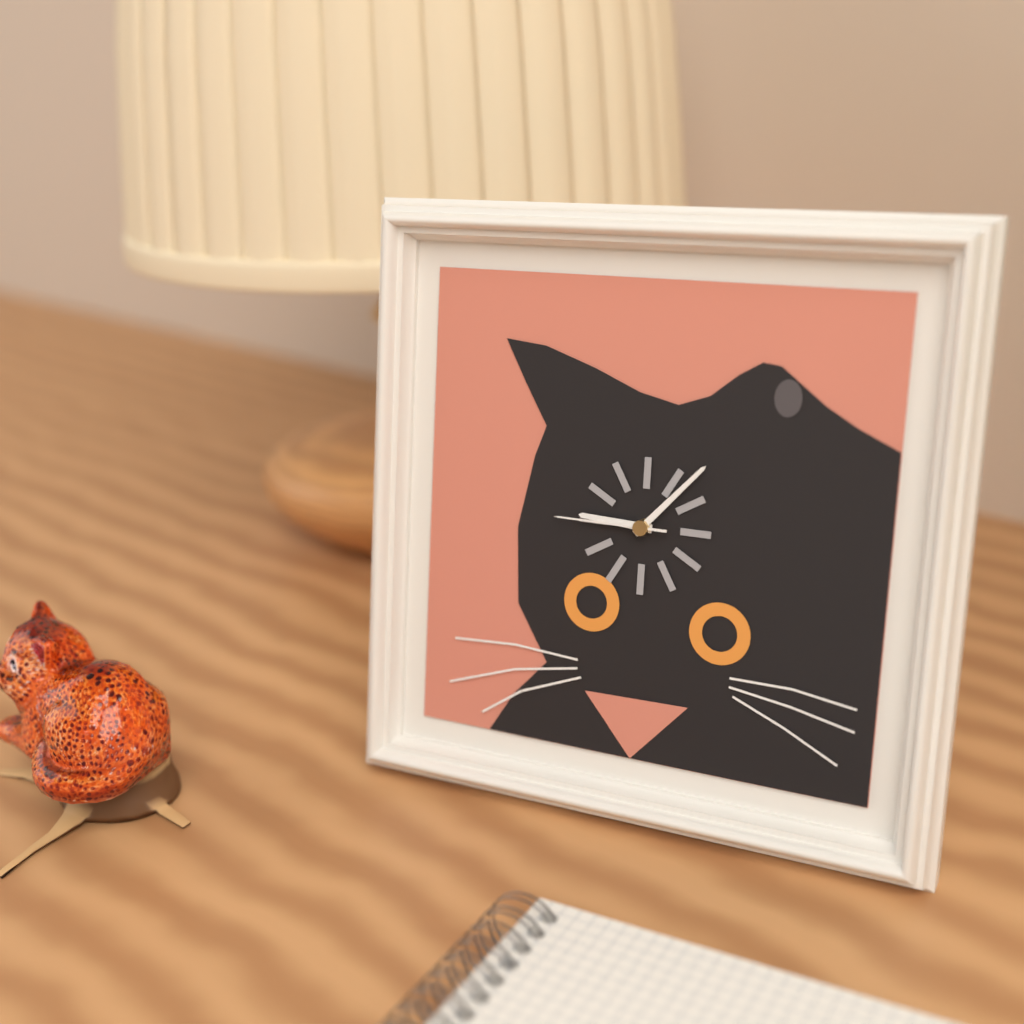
{"hour": 9, "minute": 7, "second": 45}
